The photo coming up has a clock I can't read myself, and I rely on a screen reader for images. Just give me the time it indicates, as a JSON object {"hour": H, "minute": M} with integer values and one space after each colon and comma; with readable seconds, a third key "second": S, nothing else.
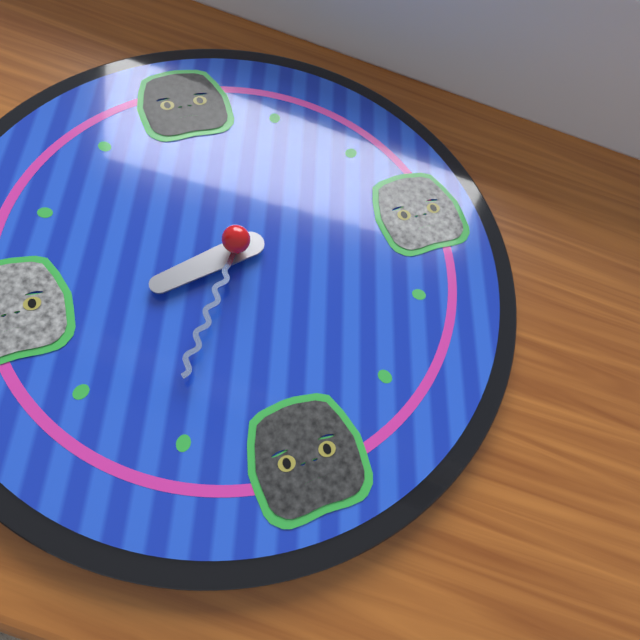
{"hour": 8, "minute": 36}
